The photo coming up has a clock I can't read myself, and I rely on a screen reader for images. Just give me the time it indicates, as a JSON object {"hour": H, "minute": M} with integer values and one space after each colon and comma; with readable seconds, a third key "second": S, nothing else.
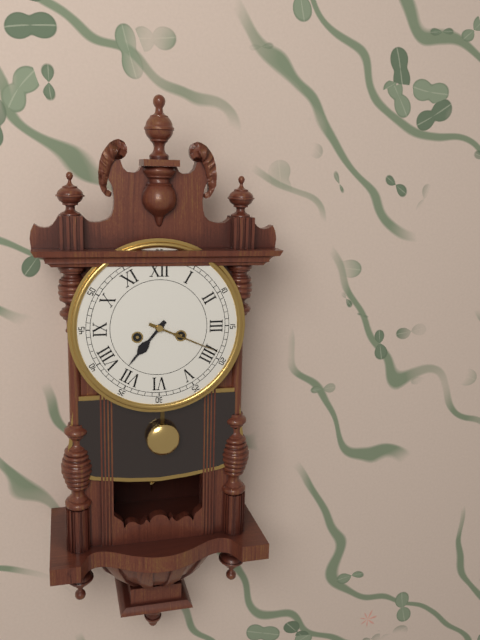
{"hour": 7, "minute": 19}
